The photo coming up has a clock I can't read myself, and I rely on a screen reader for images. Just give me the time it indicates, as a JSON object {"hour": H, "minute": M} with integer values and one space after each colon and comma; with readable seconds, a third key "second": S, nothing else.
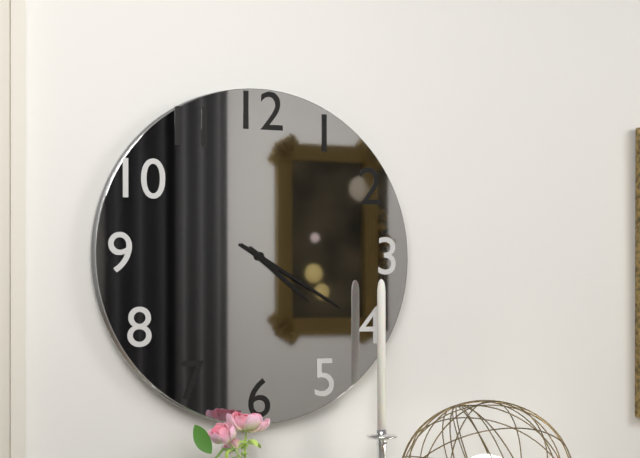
{"hour": 4, "minute": 20}
